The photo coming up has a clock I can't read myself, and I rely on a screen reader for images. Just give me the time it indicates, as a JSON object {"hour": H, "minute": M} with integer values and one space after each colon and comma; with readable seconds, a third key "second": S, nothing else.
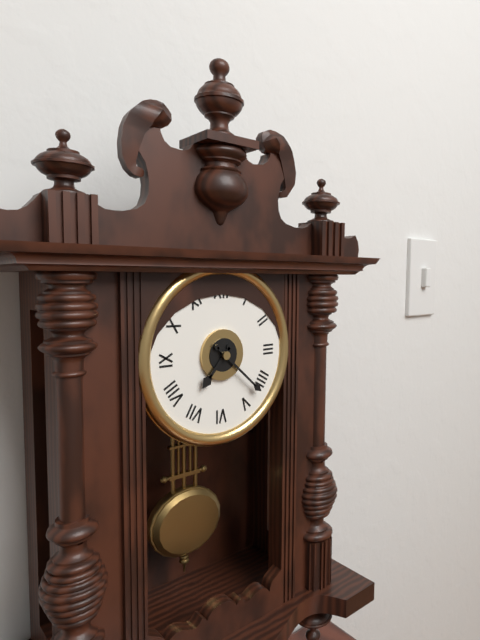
{"hour": 7, "minute": 22}
